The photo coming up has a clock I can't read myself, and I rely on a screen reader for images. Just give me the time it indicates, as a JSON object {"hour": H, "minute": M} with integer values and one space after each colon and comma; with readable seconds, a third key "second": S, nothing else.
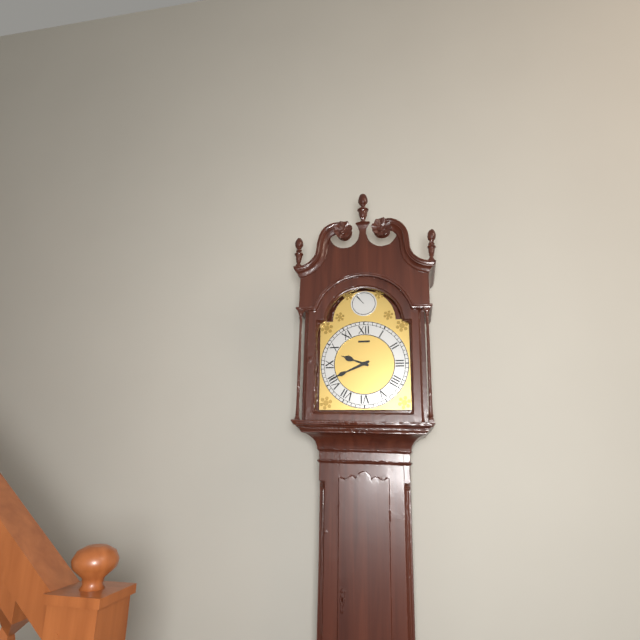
{"hour": 9, "minute": 41}
